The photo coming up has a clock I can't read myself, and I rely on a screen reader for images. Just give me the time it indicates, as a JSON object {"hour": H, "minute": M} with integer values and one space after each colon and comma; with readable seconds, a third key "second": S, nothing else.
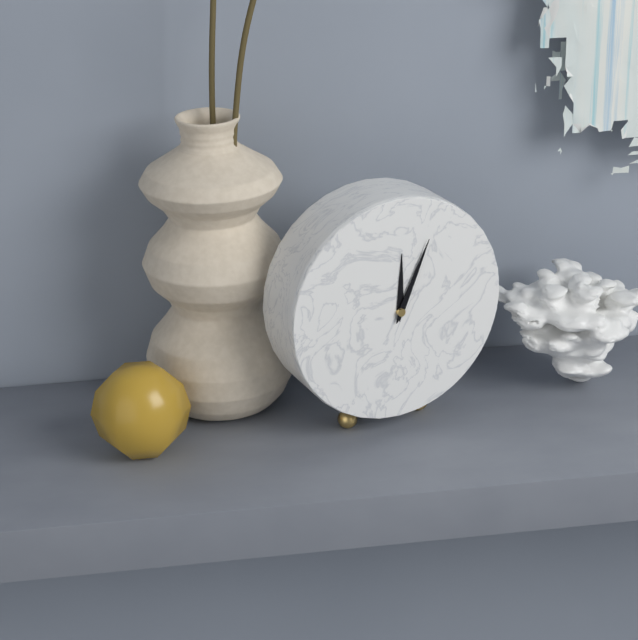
{"hour": 12, "minute": 4}
